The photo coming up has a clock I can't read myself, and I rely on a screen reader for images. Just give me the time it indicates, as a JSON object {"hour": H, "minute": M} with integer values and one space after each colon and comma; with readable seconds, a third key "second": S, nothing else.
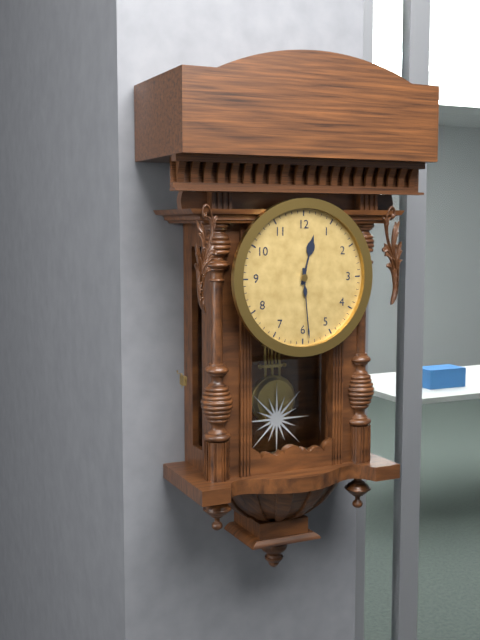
{"hour": 12, "minute": 29}
